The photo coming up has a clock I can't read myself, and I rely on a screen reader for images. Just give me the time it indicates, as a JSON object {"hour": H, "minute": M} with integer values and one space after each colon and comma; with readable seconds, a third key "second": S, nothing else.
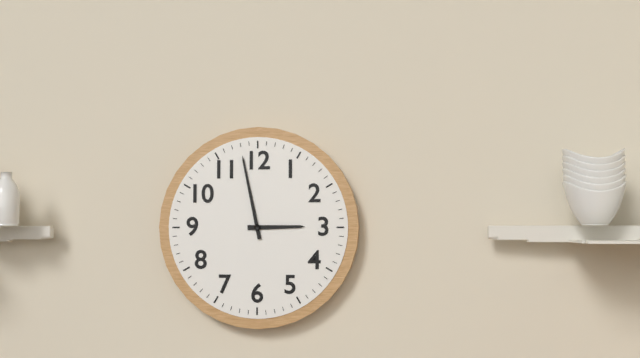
{"hour": 2, "minute": 58}
